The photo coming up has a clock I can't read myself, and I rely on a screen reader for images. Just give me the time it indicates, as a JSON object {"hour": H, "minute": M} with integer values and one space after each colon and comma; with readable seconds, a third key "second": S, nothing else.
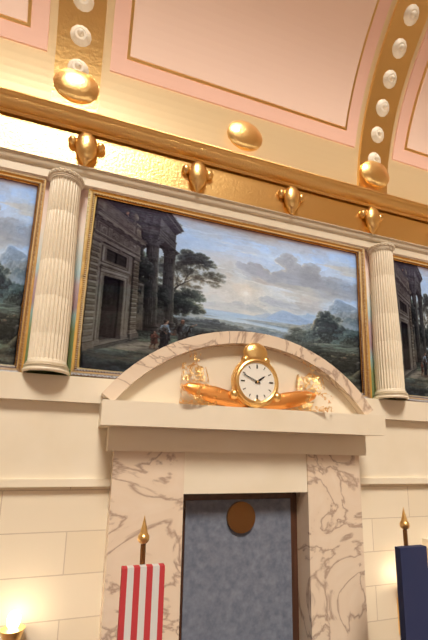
{"hour": 1, "minute": 49}
